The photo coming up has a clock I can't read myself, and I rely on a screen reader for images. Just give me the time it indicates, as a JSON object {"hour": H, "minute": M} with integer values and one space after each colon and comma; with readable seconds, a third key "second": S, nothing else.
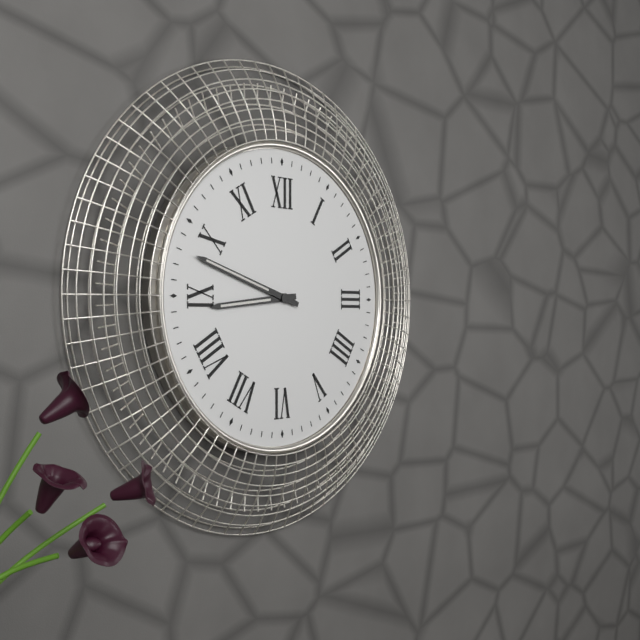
{"hour": 8, "minute": 48}
